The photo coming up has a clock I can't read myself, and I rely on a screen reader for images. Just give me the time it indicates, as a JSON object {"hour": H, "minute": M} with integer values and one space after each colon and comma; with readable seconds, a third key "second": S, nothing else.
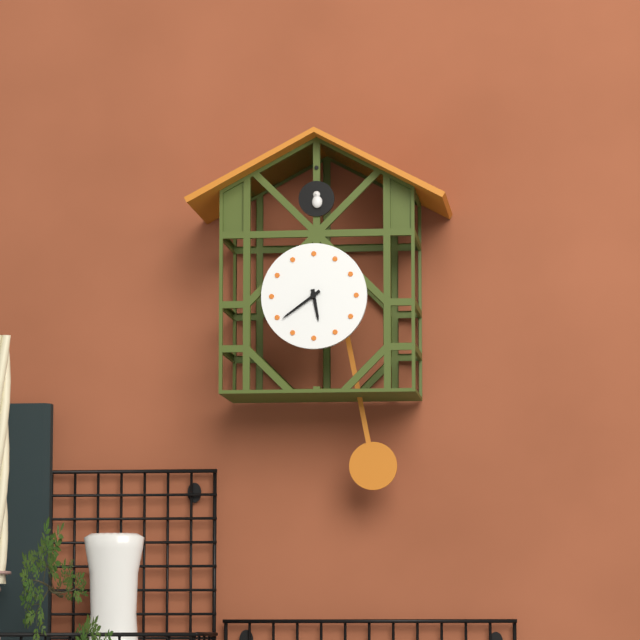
{"hour": 5, "minute": 39}
